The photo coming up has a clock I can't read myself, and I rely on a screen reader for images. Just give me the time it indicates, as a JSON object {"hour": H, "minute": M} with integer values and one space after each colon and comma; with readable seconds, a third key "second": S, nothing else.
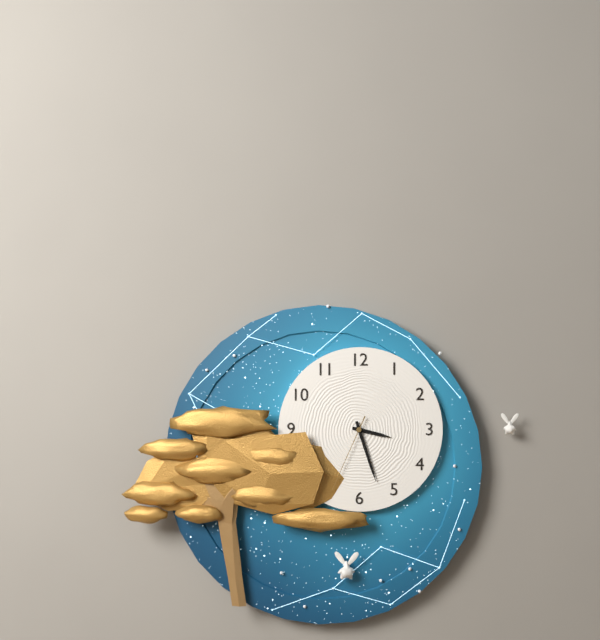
{"hour": 3, "minute": 27, "second": 34}
